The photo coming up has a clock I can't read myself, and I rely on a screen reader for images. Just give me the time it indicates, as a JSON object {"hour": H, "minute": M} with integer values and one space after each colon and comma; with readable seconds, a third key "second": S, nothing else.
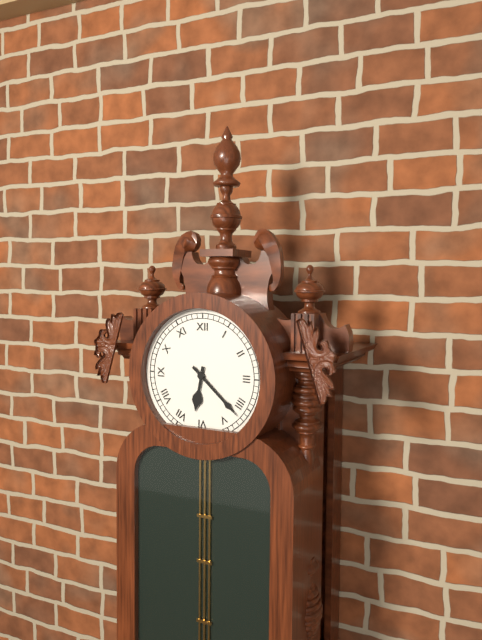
{"hour": 6, "minute": 22}
